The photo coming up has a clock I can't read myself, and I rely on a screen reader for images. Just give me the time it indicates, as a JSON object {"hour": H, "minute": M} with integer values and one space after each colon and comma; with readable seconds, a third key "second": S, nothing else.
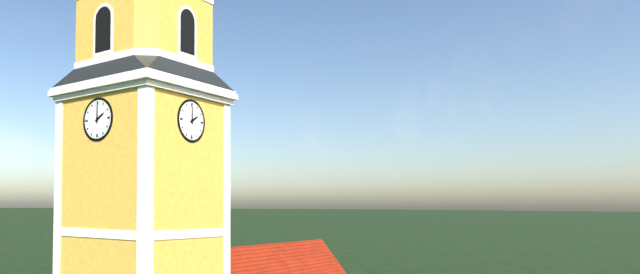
{"hour": 2, "minute": 0}
